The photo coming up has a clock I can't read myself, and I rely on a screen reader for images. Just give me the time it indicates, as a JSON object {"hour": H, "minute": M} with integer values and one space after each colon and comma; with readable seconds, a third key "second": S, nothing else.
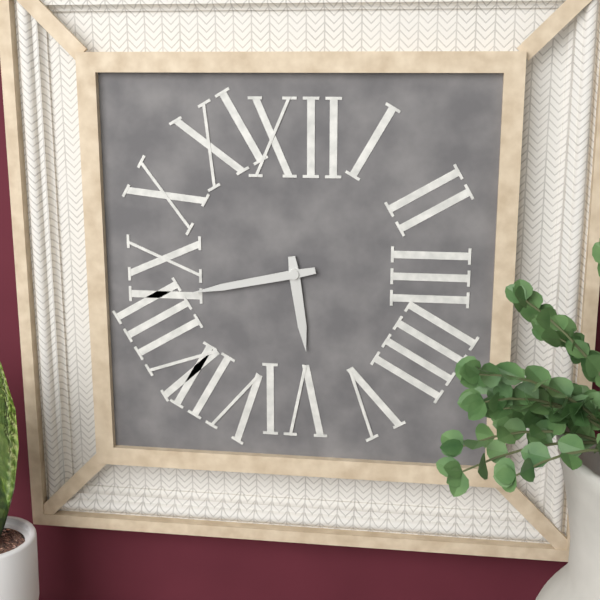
{"hour": 5, "minute": 43}
